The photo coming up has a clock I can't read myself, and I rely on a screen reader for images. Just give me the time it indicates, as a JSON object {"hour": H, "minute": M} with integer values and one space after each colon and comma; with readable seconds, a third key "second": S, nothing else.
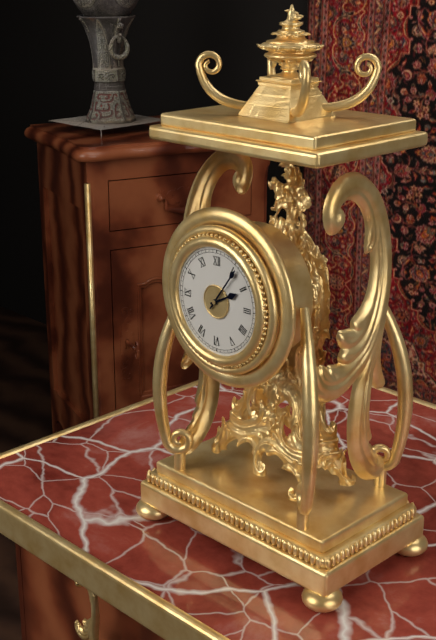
{"hour": 2, "minute": 6}
